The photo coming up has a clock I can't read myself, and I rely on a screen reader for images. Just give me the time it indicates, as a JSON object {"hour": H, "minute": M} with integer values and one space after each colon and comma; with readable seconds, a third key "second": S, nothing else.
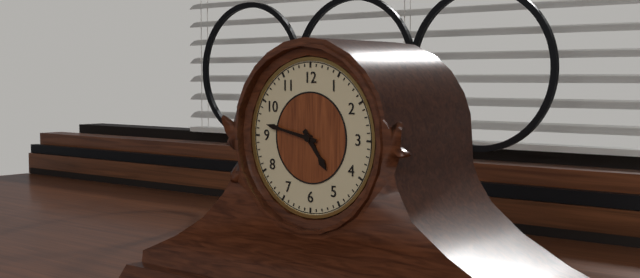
{"hour": 4, "minute": 47}
